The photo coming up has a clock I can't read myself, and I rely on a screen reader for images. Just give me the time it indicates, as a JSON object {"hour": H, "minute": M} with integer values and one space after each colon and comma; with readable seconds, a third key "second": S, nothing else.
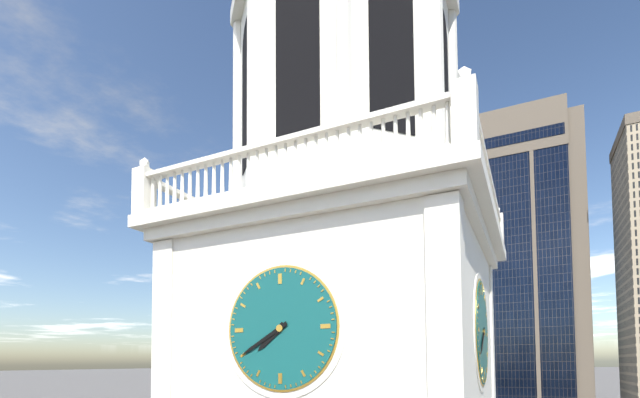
{"hour": 7, "minute": 40}
